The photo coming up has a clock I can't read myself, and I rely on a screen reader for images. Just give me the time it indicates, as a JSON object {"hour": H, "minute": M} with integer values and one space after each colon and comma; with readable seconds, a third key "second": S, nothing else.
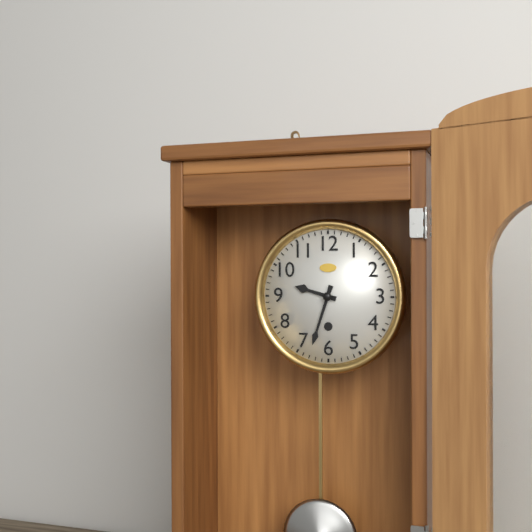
{"hour": 9, "minute": 33}
